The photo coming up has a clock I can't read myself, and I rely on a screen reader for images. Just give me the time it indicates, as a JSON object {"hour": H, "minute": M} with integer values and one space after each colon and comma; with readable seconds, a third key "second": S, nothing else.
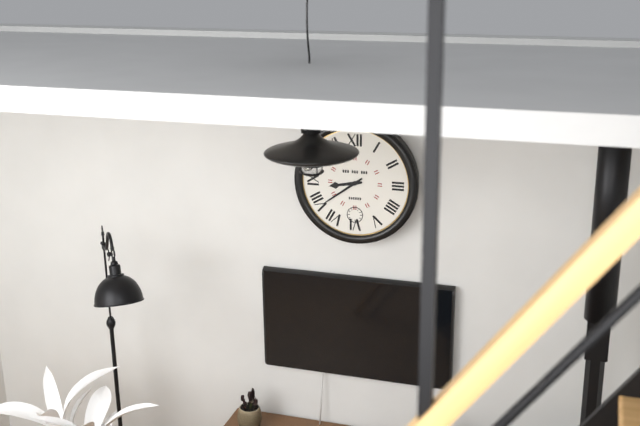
{"hour": 8, "minute": 39}
